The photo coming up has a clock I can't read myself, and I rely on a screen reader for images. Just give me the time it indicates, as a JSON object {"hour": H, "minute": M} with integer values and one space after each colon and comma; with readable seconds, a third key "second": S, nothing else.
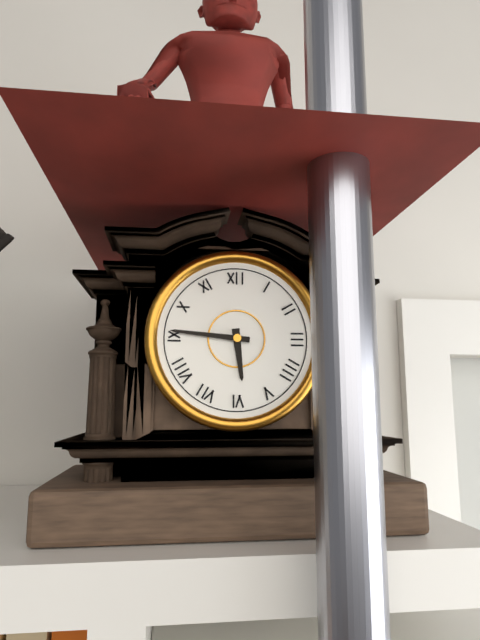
{"hour": 5, "minute": 46}
